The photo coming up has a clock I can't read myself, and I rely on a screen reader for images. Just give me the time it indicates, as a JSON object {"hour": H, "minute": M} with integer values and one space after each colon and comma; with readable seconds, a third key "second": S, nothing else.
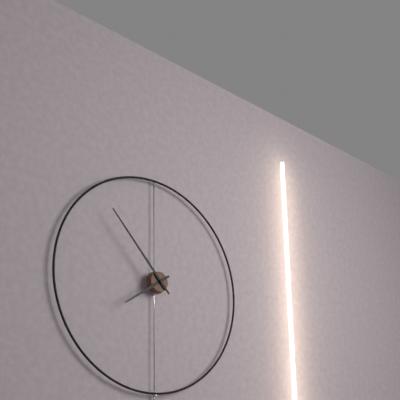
{"hour": 7, "minute": 53}
